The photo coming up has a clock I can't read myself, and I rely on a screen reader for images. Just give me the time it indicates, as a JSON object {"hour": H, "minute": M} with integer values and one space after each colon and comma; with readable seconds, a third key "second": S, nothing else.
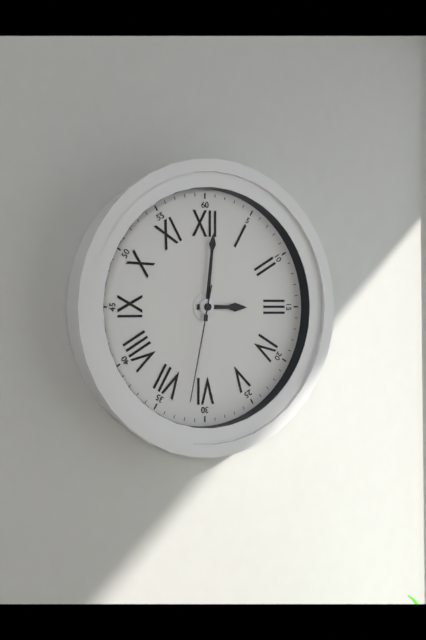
{"hour": 3, "minute": 1, "second": 32}
